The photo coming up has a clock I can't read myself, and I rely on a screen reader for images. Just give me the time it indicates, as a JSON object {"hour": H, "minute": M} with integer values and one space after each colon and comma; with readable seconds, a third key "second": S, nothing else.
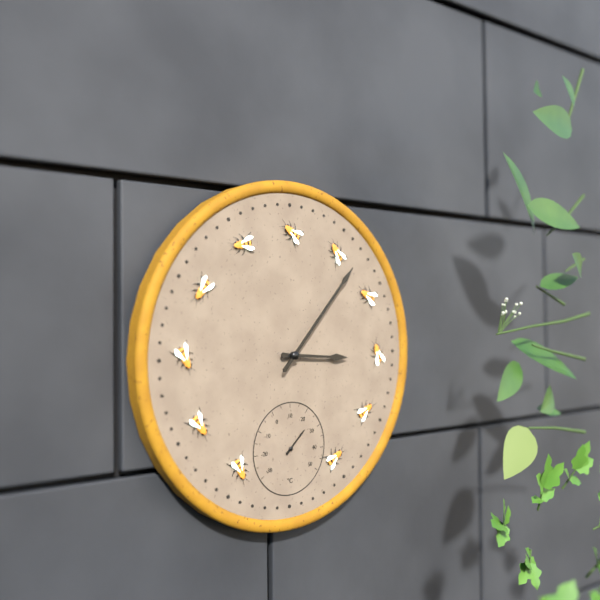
{"hour": 3, "minute": 7}
